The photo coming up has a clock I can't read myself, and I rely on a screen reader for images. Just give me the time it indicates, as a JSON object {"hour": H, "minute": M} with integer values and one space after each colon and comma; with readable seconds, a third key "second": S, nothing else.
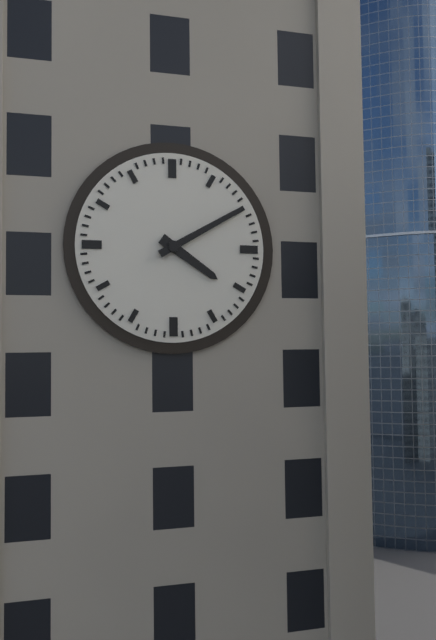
{"hour": 4, "minute": 10}
